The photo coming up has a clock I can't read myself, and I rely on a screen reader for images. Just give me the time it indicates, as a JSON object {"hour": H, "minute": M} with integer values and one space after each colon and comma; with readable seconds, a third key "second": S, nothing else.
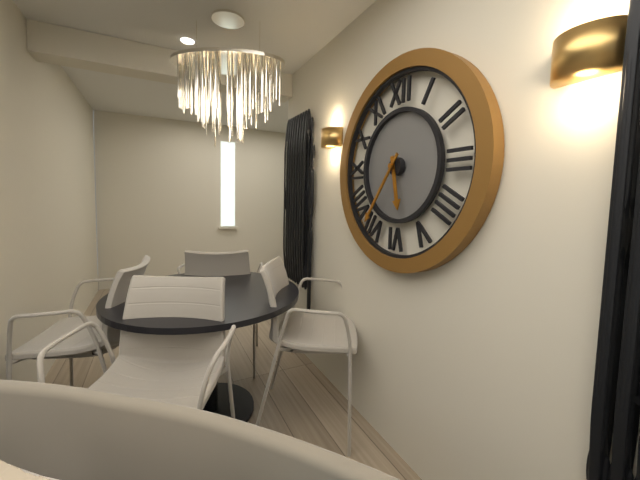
{"hour": 5, "minute": 36}
